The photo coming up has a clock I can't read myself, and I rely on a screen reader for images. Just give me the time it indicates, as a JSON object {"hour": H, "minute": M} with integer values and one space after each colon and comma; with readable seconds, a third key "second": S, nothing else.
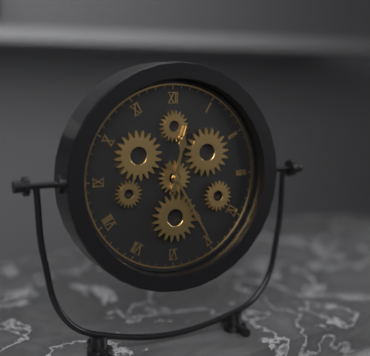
{"hour": 12, "minute": 25}
